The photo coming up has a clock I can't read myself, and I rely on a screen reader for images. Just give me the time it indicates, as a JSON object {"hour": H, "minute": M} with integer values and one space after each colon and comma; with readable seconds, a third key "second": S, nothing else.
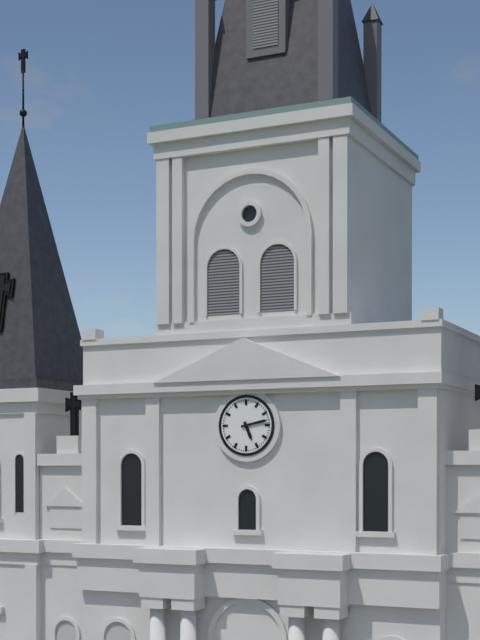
{"hour": 5, "minute": 13}
